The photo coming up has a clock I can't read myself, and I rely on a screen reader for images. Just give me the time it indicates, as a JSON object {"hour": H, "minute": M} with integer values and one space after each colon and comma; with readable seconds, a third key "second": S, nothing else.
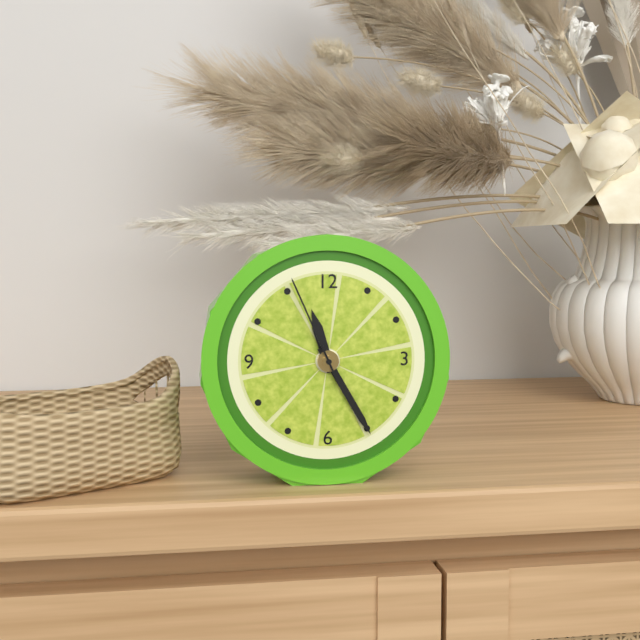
{"hour": 11, "minute": 25, "second": 56}
